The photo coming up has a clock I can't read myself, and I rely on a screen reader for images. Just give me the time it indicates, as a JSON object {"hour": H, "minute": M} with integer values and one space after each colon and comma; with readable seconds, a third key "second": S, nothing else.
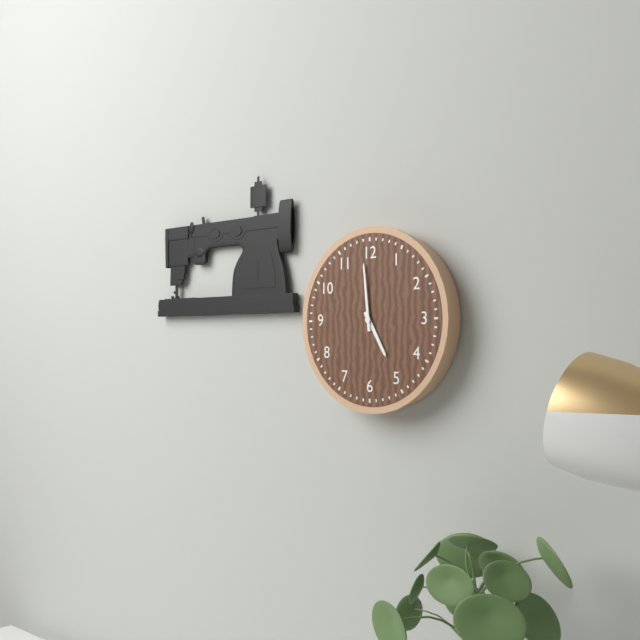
{"hour": 4, "minute": 59}
